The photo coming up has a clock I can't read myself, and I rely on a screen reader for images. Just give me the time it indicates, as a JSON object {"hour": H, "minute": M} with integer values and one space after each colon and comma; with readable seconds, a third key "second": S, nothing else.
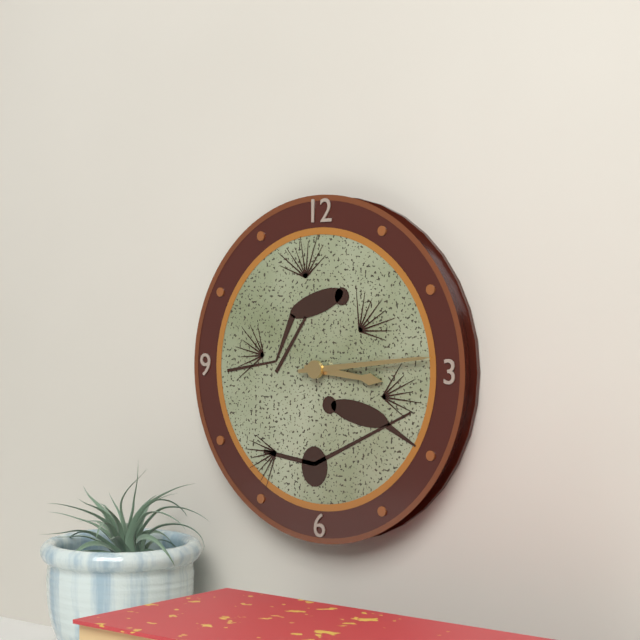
{"hour": 3, "minute": 14}
